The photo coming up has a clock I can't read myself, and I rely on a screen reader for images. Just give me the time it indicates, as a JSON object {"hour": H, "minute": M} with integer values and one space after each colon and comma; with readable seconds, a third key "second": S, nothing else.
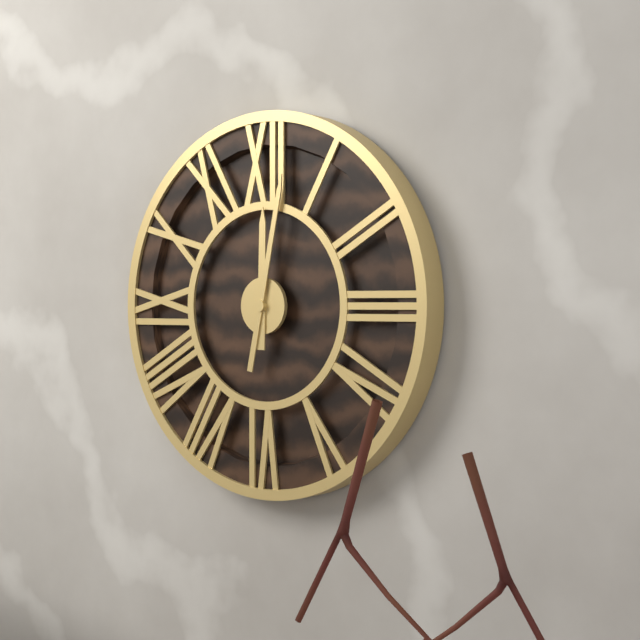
{"hour": 12, "minute": 2}
